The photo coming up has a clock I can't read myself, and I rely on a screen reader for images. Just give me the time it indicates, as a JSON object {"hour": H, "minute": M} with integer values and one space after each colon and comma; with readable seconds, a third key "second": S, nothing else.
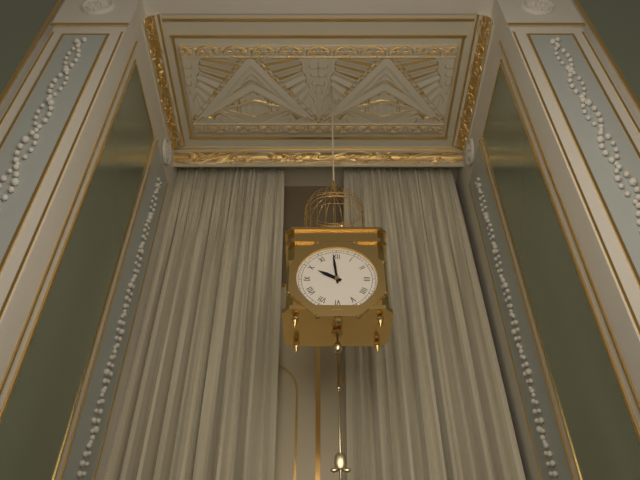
{"hour": 9, "minute": 59}
